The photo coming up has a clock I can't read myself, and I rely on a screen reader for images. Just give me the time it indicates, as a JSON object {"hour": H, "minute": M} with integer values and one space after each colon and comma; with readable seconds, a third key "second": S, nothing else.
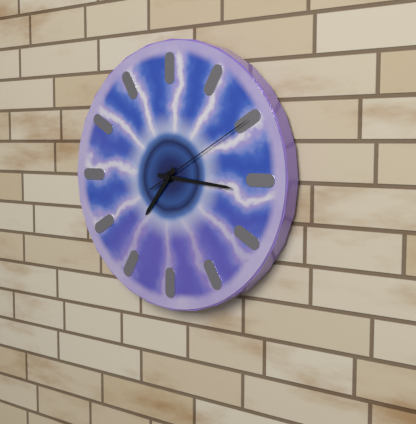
{"hour": 7, "minute": 16, "second": 10}
